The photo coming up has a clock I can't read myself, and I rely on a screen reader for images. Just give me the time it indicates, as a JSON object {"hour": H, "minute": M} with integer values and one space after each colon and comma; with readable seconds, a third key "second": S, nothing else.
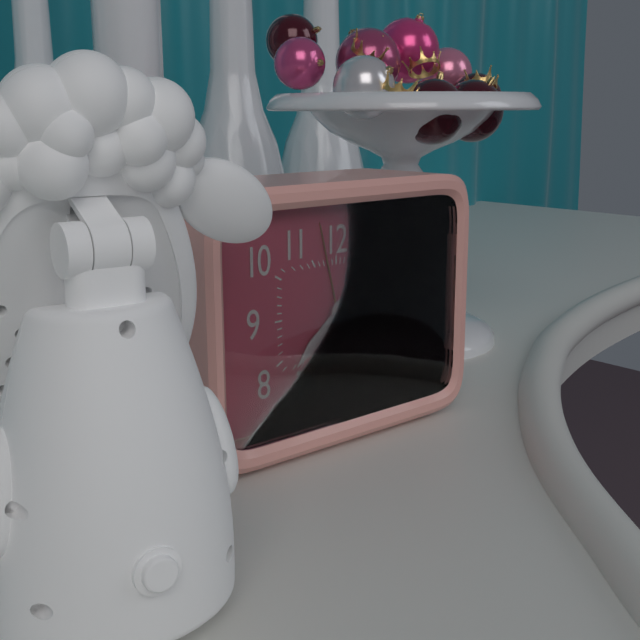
{"hour": 7, "minute": 35}
